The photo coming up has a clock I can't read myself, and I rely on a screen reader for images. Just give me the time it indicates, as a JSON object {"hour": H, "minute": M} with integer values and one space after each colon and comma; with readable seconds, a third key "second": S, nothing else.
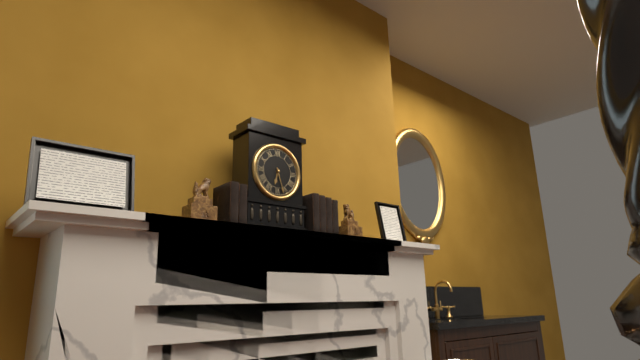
{"hour": 6, "minute": 27}
